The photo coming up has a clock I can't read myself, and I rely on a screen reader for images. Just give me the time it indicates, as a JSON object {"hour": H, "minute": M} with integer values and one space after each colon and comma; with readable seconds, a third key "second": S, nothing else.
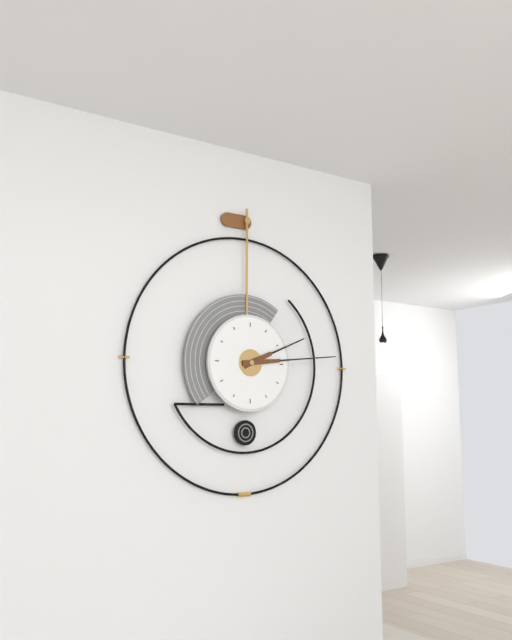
{"hour": 2, "minute": 14}
